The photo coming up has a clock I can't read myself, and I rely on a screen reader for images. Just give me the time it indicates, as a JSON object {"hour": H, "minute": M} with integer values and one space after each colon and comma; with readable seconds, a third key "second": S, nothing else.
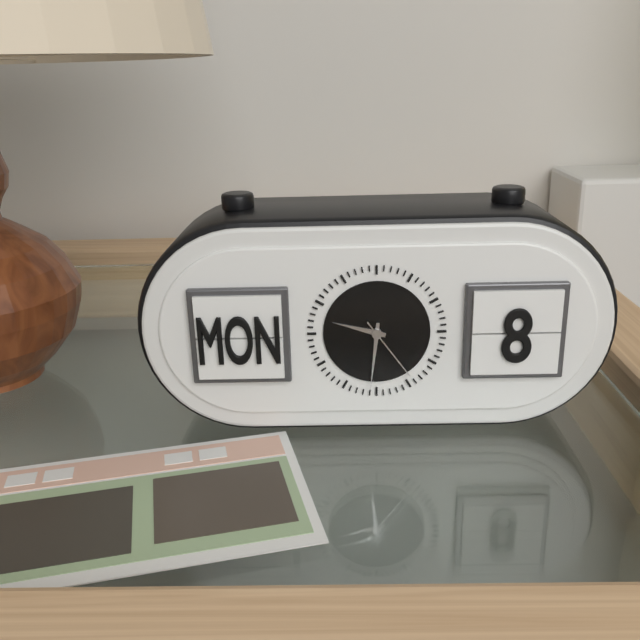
{"hour": 9, "minute": 31, "second": 24}
